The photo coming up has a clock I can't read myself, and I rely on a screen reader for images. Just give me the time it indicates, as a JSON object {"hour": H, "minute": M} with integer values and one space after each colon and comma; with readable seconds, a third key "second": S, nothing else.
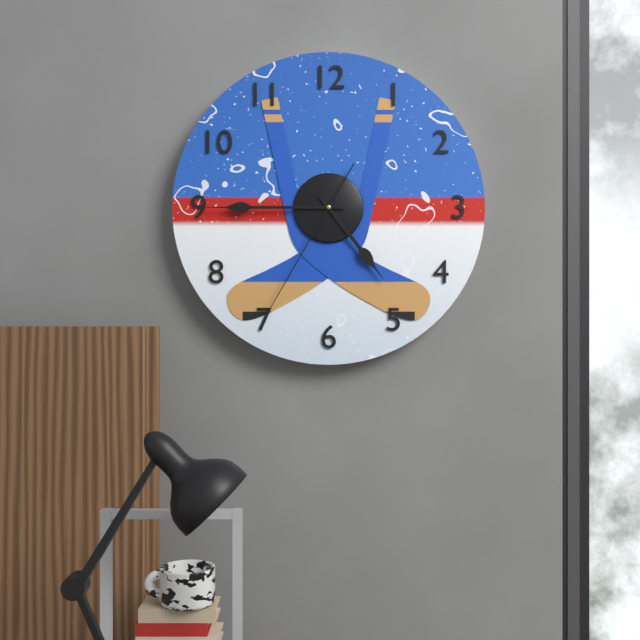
{"hour": 4, "minute": 45, "second": 35}
